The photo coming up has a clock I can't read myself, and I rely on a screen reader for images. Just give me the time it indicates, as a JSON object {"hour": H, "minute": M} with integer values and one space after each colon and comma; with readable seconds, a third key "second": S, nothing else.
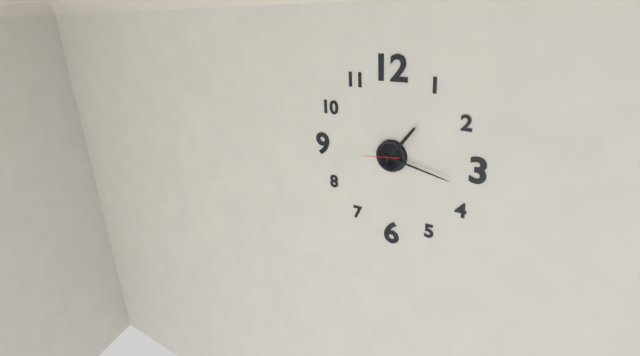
{"hour": 1, "minute": 17}
